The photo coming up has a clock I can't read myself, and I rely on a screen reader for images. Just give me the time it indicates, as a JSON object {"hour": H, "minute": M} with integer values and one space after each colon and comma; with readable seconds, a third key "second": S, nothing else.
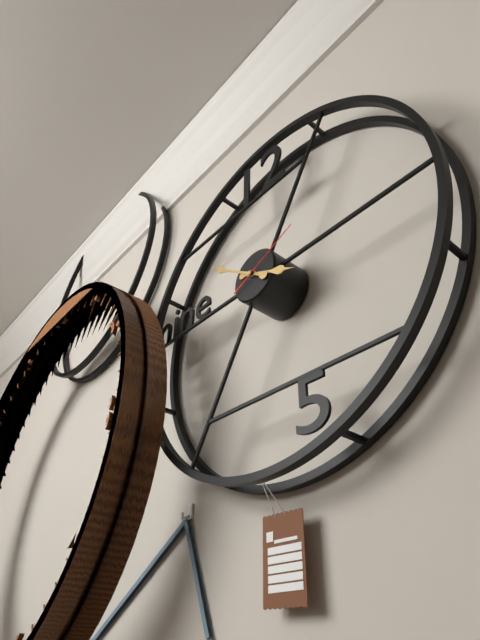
{"hour": 3, "minute": 51, "second": 11}
